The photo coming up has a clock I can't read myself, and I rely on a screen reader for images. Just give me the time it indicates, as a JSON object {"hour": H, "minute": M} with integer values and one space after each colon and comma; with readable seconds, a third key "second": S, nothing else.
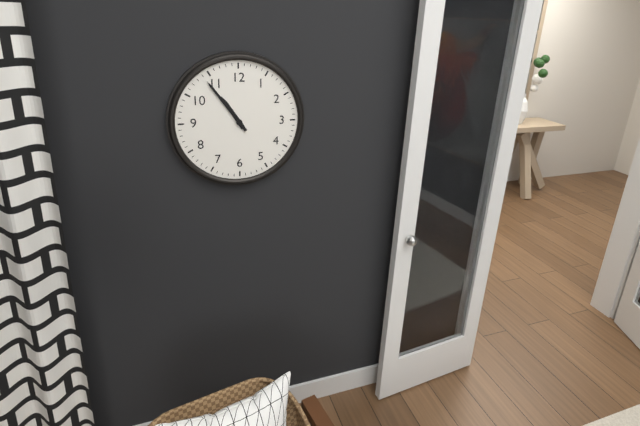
{"hour": 10, "minute": 54}
